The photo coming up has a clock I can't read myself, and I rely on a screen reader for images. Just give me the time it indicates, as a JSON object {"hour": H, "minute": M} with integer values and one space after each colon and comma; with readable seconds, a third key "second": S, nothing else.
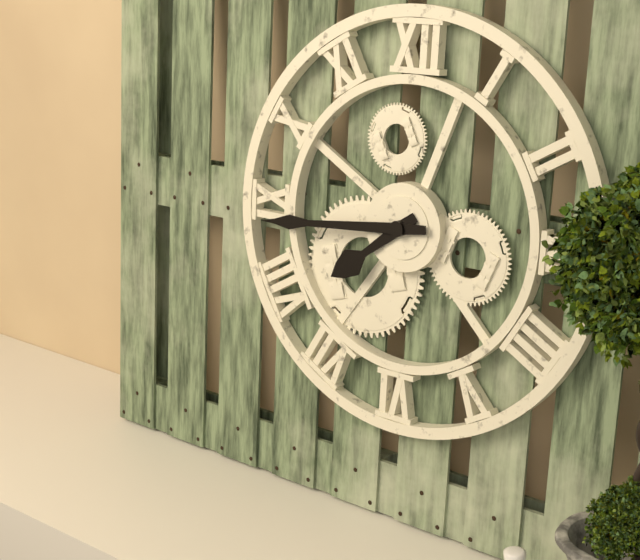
{"hour": 7, "minute": 44}
